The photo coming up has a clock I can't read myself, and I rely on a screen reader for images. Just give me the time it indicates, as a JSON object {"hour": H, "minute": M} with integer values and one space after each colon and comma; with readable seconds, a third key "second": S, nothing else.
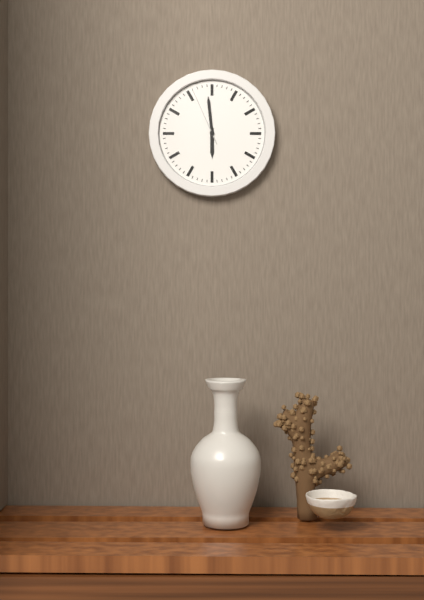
{"hour": 5, "minute": 59, "second": 56}
